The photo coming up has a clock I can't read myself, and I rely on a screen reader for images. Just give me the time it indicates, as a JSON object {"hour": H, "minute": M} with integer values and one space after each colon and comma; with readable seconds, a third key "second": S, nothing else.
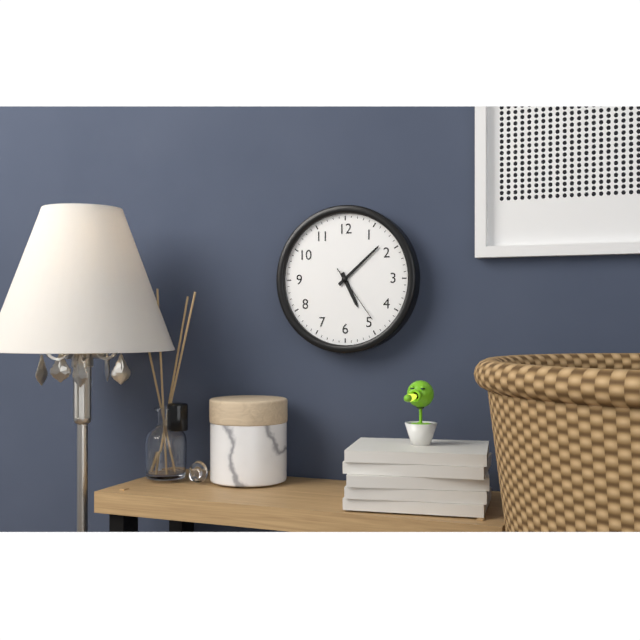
{"hour": 5, "minute": 8, "second": 24}
